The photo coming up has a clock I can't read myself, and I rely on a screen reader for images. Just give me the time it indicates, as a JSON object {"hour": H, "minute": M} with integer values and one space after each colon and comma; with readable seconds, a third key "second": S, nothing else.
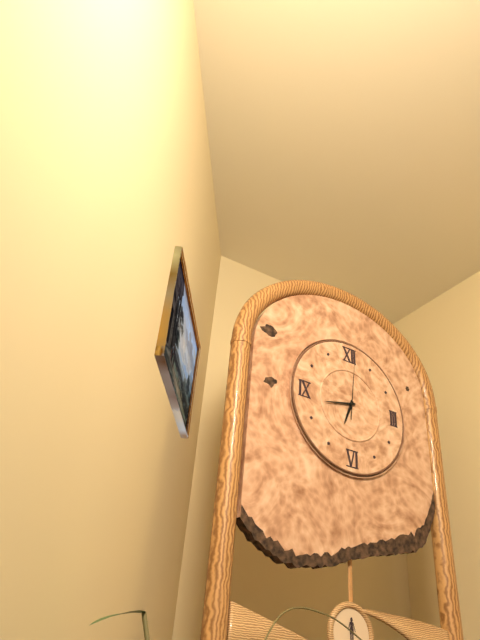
{"hour": 6, "minute": 43}
